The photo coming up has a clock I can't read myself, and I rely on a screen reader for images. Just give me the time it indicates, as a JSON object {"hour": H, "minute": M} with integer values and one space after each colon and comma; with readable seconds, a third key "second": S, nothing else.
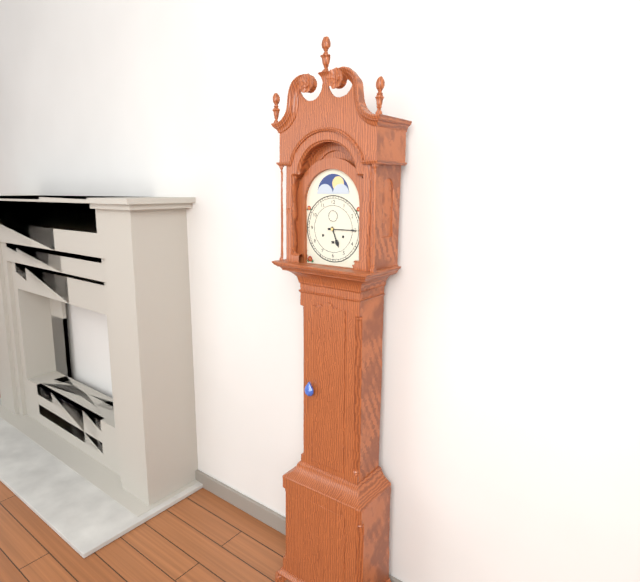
{"hour": 5, "minute": 15}
